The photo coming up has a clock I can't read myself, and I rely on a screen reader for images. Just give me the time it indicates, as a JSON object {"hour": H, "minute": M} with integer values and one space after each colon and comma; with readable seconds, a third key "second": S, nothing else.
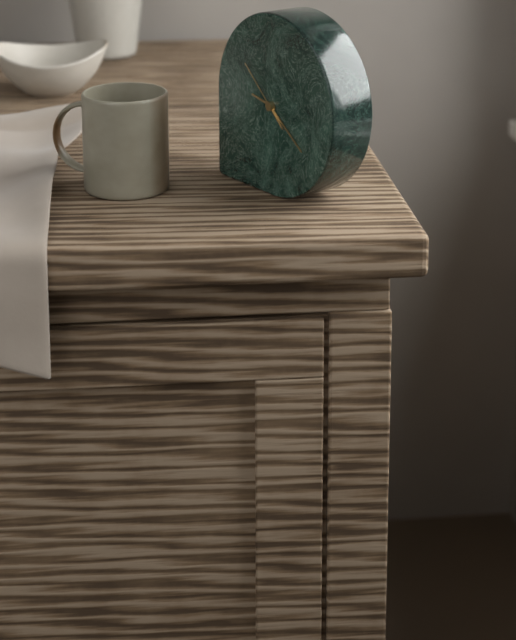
{"hour": 9, "minute": 21, "second": 52}
